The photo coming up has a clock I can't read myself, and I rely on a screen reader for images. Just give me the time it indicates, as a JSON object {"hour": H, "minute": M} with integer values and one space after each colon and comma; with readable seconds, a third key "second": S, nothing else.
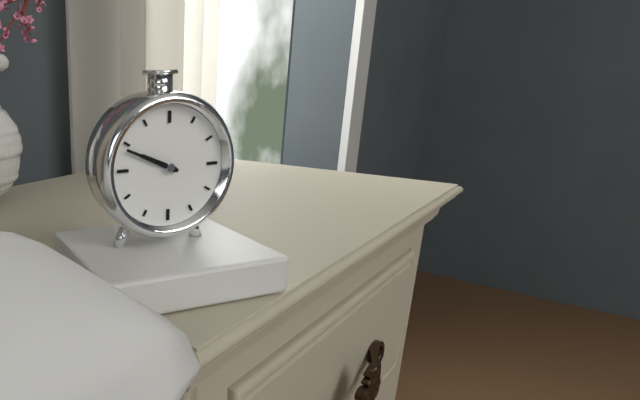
{"hour": 9, "minute": 49}
